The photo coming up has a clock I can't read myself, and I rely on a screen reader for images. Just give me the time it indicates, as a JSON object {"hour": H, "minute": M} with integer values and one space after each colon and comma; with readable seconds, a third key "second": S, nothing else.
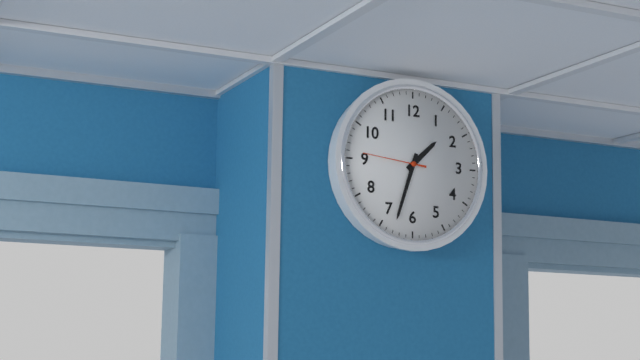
{"hour": 1, "minute": 33, "second": 46}
